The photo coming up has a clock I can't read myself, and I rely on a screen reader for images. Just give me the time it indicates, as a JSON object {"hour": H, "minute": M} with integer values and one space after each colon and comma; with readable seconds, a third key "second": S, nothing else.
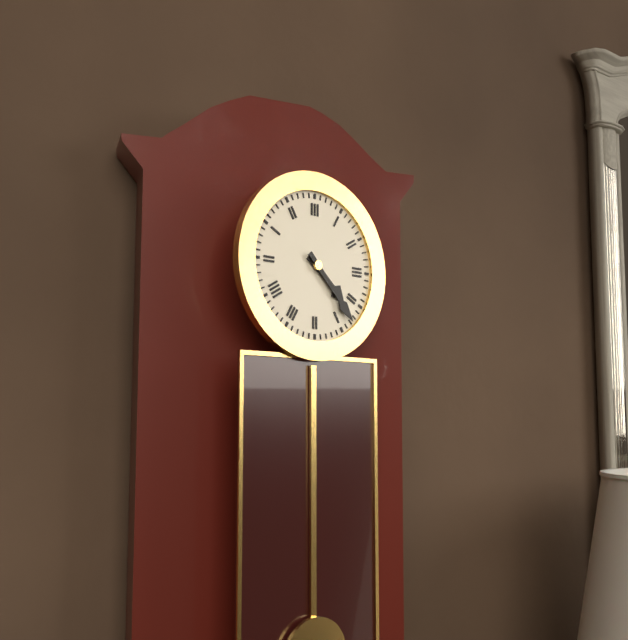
{"hour": 4, "minute": 23}
